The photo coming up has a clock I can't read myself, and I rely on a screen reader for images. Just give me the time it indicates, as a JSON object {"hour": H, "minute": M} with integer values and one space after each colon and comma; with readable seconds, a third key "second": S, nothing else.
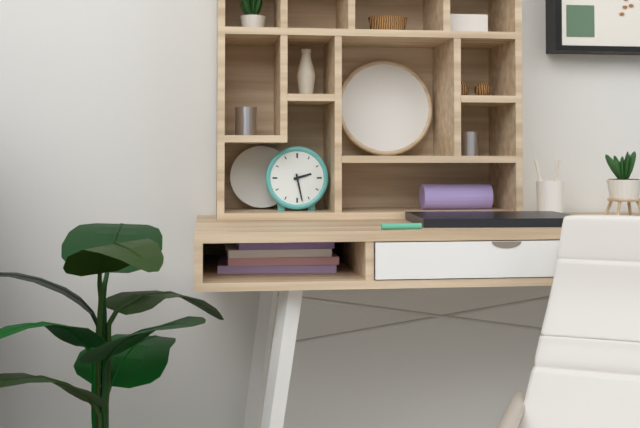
{"hour": 2, "minute": 28}
